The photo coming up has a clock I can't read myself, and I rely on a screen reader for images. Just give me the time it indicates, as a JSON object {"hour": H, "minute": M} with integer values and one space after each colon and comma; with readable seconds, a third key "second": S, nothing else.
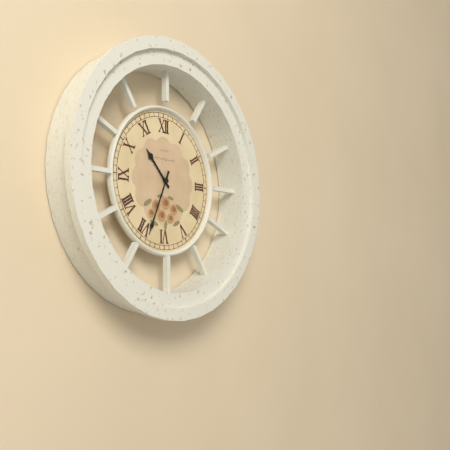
{"hour": 10, "minute": 34}
